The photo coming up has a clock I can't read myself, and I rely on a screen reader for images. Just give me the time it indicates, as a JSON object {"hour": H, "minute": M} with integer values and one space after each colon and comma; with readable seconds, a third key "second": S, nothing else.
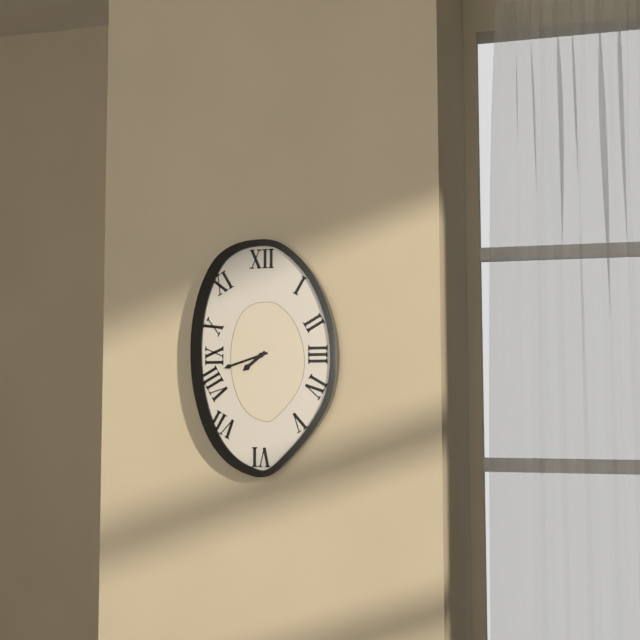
{"hour": 7, "minute": 42}
